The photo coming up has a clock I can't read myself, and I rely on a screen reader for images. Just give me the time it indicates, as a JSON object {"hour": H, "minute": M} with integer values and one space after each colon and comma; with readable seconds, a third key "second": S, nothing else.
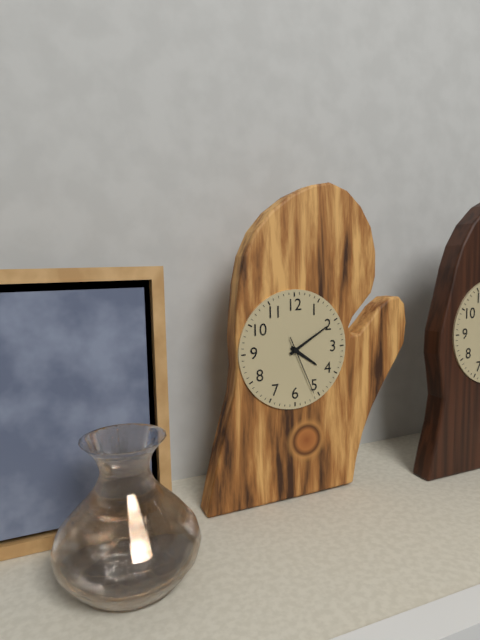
{"hour": 4, "minute": 10, "second": 26}
